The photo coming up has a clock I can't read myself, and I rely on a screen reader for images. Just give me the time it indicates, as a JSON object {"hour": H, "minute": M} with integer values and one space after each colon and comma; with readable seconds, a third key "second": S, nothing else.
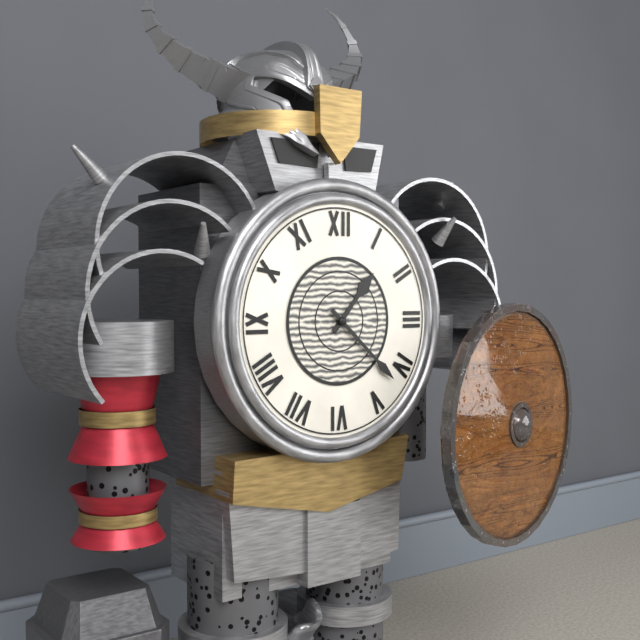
{"hour": 1, "minute": 22}
